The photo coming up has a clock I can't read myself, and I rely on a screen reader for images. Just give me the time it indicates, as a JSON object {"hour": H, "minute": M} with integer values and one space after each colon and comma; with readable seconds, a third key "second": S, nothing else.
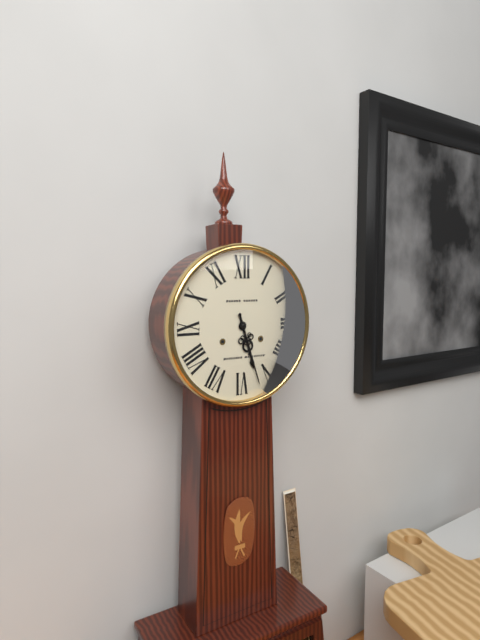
{"hour": 5, "minute": 27}
